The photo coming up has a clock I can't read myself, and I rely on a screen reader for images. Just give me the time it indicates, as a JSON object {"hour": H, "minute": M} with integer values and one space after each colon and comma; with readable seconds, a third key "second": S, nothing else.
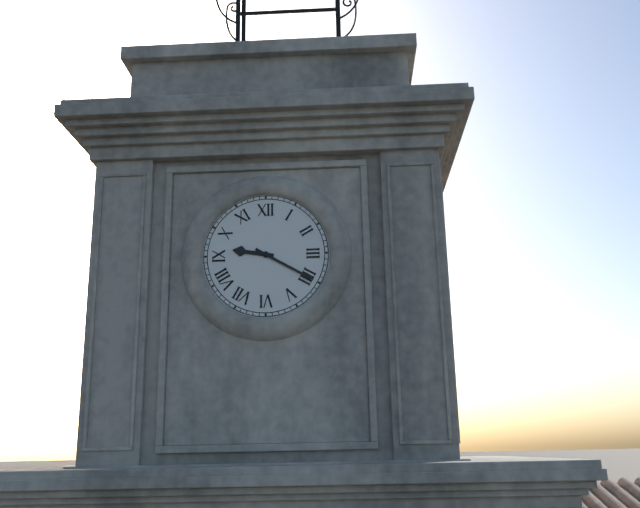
{"hour": 9, "minute": 20}
